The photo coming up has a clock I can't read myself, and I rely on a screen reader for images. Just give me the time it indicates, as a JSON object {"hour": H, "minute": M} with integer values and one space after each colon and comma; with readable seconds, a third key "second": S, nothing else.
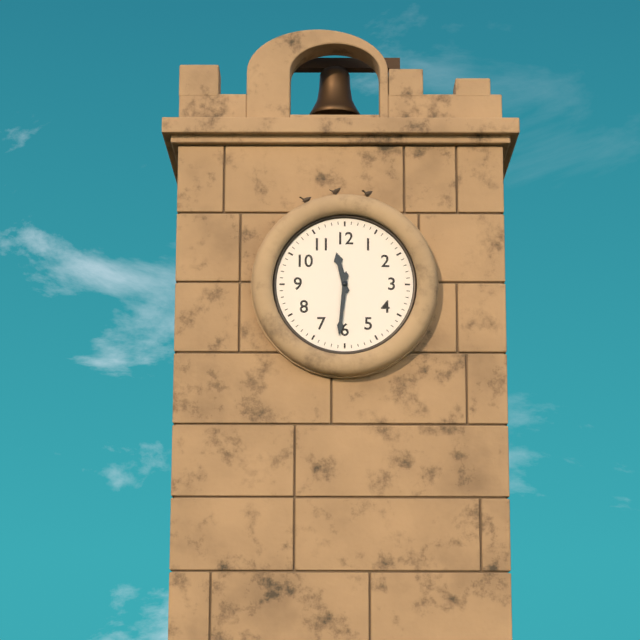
{"hour": 11, "minute": 31}
